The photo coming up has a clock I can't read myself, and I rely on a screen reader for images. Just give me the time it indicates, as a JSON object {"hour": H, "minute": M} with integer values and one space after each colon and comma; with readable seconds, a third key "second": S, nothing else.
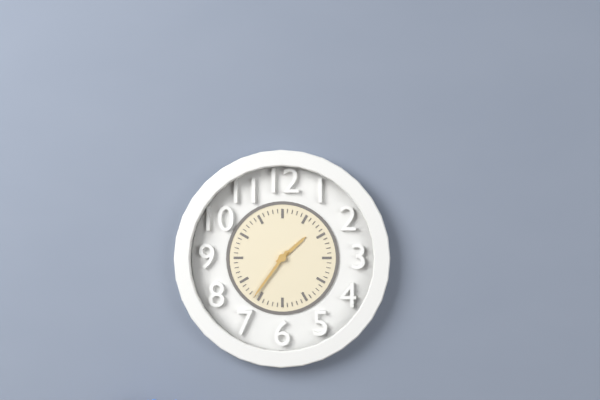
{"hour": 1, "minute": 36}
